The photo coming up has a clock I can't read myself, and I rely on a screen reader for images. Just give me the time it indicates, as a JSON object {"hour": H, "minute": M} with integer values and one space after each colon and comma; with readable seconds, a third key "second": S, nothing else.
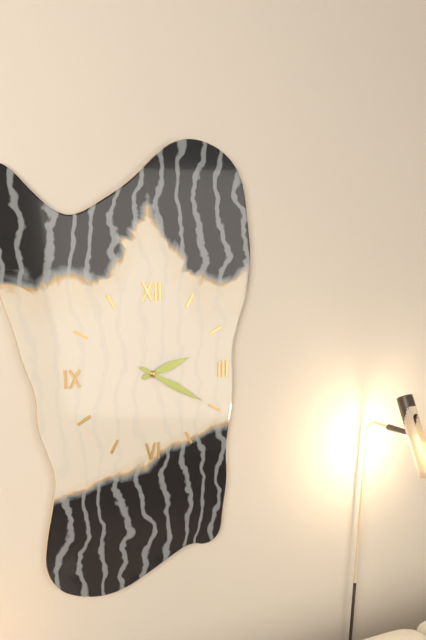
{"hour": 2, "minute": 20}
